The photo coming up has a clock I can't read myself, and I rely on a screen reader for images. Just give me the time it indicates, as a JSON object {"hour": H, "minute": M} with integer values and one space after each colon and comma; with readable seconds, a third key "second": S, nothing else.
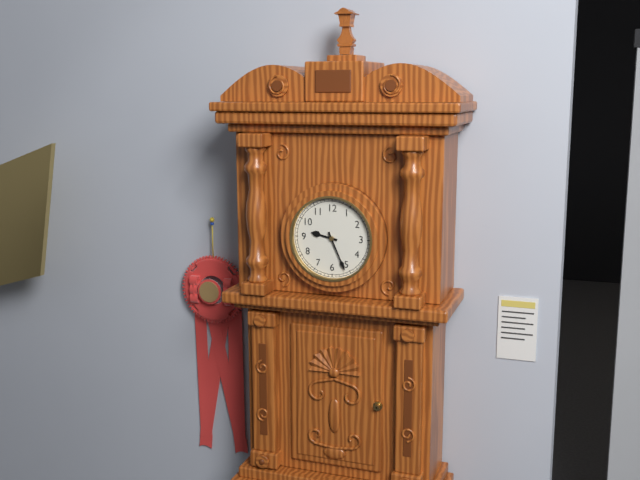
{"hour": 9, "minute": 26}
